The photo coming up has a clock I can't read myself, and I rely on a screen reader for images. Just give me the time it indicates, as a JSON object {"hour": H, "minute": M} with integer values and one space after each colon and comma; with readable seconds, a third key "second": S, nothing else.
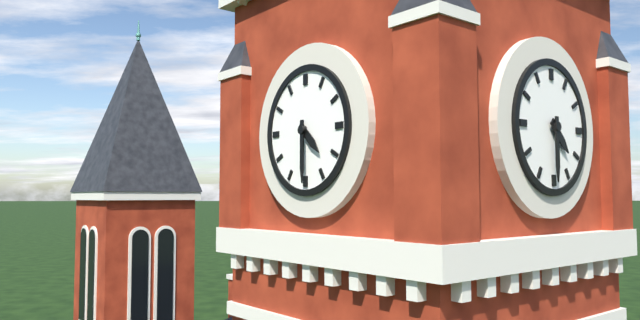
{"hour": 4, "minute": 30}
